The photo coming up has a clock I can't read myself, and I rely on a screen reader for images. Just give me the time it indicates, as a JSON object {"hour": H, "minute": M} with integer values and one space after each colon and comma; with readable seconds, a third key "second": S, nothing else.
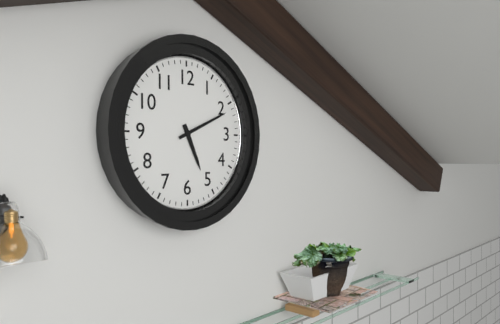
{"hour": 5, "minute": 11}
